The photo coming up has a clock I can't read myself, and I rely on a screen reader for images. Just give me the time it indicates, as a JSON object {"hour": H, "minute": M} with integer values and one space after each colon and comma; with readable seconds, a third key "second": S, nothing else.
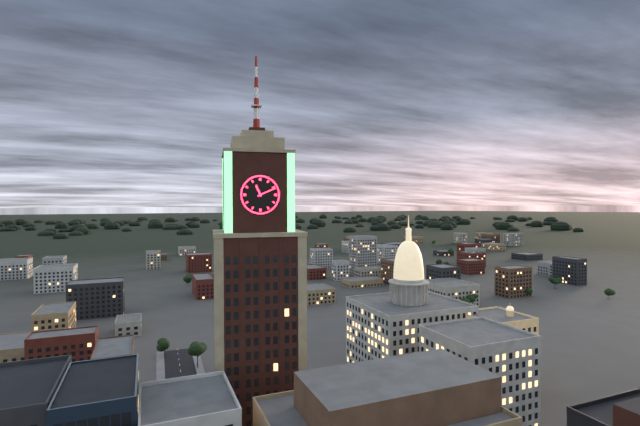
{"hour": 11, "minute": 11}
